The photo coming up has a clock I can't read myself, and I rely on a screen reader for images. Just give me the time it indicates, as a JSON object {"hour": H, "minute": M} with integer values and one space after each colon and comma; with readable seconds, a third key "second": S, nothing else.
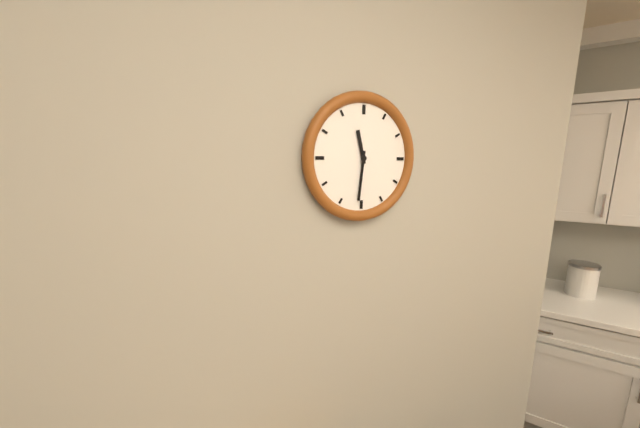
{"hour": 11, "minute": 31}
